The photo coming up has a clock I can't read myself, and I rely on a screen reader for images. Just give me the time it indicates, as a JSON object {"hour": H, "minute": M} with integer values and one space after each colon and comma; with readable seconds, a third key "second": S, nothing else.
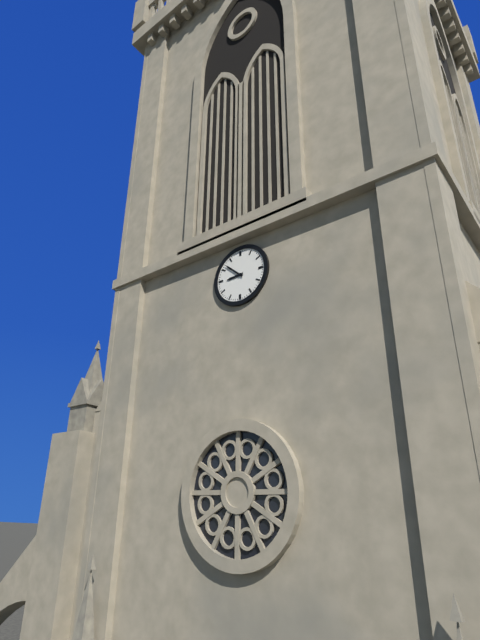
{"hour": 8, "minute": 52}
